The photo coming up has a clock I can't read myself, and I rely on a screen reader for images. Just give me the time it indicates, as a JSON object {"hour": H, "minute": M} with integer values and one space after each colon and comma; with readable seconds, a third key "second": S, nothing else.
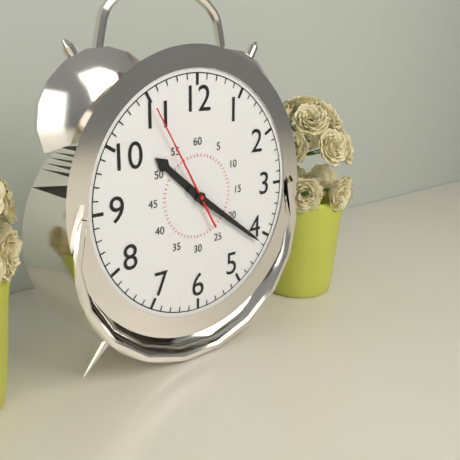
{"hour": 10, "minute": 21, "second": 55}
